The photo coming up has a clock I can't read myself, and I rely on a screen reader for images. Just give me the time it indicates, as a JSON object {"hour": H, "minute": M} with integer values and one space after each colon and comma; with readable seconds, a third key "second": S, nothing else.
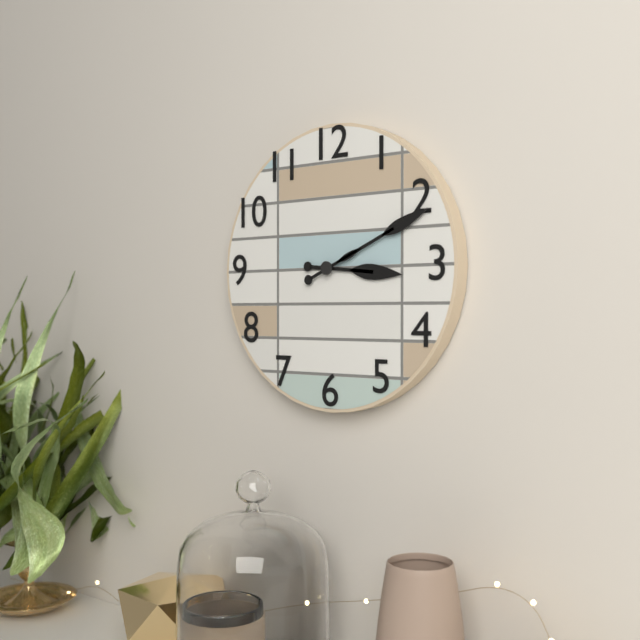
{"hour": 3, "minute": 11}
